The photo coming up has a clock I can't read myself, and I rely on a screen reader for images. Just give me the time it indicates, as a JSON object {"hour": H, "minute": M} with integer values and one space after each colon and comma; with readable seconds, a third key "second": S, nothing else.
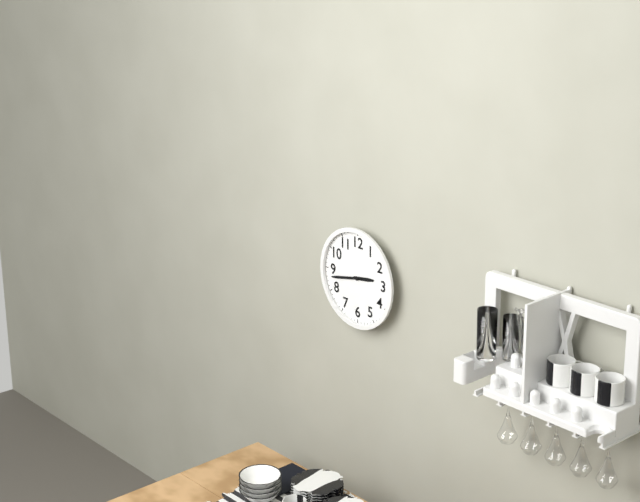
{"hour": 2, "minute": 43}
